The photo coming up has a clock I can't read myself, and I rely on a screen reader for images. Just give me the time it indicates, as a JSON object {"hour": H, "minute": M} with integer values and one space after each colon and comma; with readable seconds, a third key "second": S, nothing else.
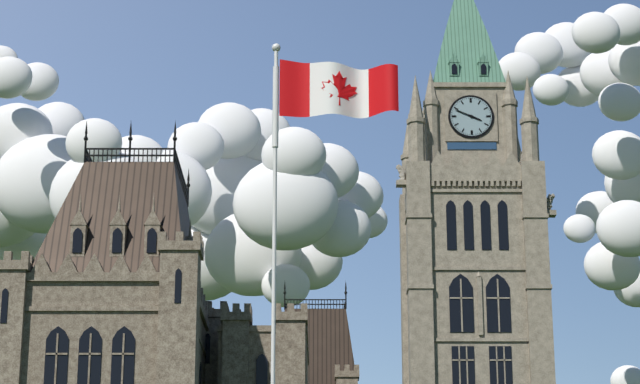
{"hour": 3, "minute": 49}
